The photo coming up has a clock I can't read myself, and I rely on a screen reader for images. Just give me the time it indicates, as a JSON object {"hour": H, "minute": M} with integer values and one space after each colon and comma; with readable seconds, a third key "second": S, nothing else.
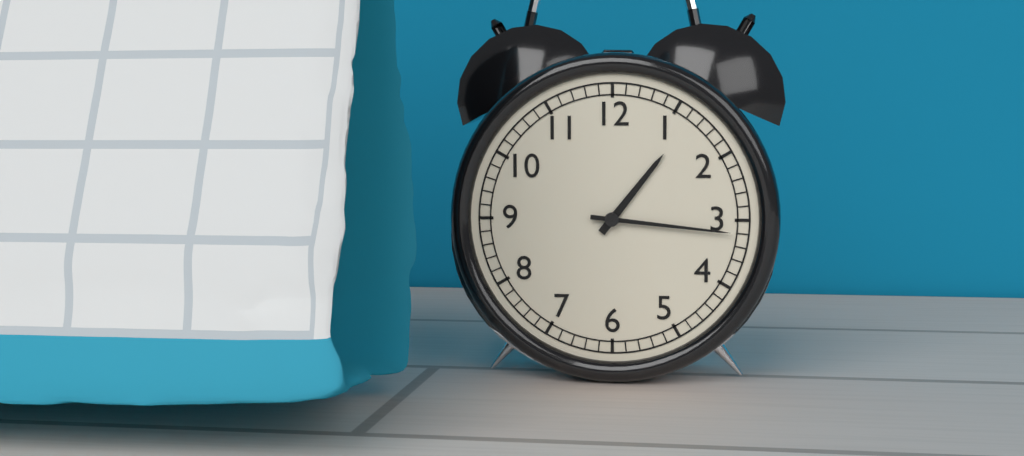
{"hour": 1, "minute": 16}
